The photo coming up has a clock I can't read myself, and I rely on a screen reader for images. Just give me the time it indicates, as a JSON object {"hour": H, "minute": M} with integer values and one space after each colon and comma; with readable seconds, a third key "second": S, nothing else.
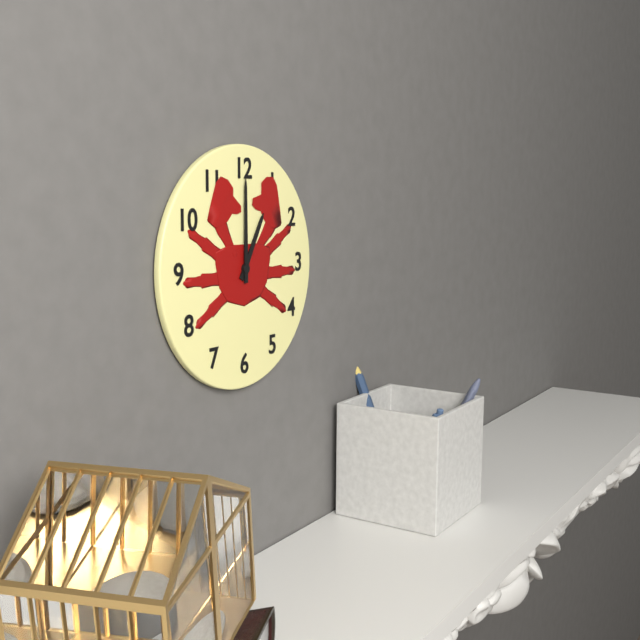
{"hour": 1, "minute": 0}
